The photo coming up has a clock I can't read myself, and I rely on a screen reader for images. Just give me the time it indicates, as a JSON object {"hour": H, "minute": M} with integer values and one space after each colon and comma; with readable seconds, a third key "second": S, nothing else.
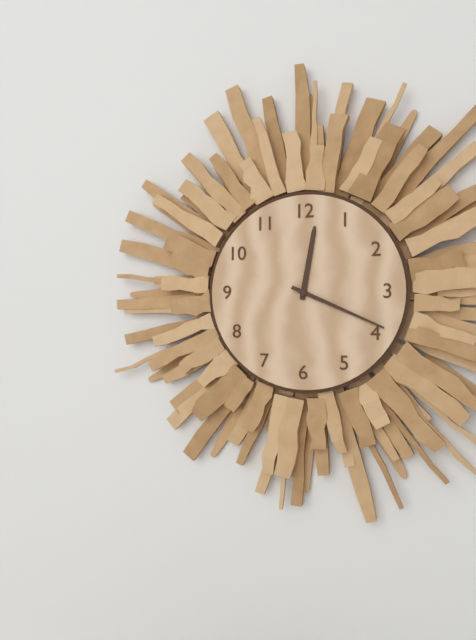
{"hour": 12, "minute": 19}
